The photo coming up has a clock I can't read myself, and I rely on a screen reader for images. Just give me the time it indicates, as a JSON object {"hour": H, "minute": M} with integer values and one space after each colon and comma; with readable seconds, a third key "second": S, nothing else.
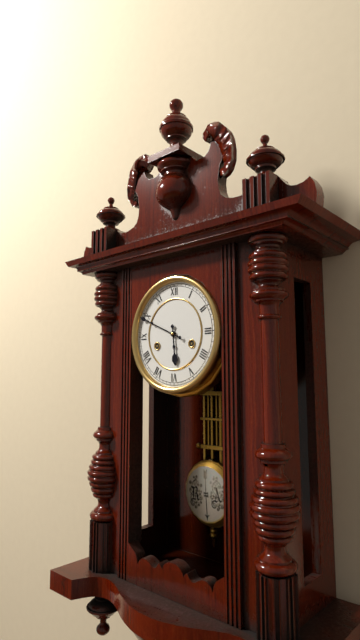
{"hour": 5, "minute": 49}
